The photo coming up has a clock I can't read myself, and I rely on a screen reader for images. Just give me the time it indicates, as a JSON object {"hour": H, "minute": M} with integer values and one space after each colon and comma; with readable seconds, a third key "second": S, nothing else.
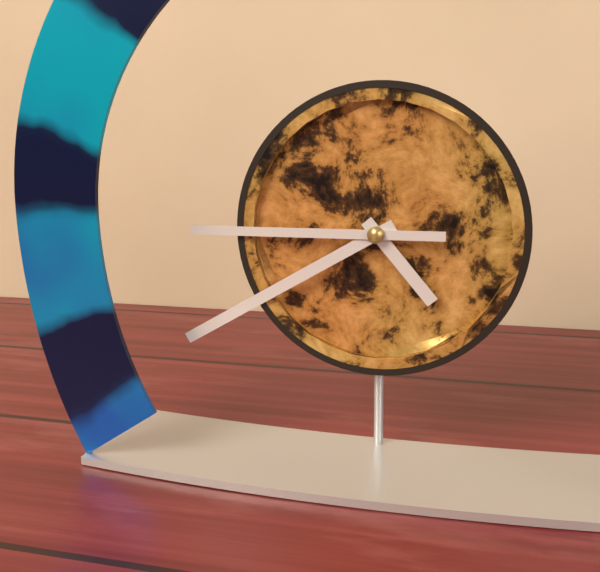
{"hour": 4, "minute": 40, "second": 45}
